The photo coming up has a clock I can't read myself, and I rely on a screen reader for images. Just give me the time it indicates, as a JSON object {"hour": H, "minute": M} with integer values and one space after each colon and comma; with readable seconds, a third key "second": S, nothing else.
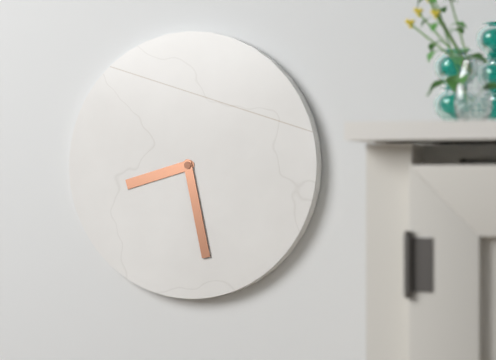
{"hour": 8, "minute": 28}
